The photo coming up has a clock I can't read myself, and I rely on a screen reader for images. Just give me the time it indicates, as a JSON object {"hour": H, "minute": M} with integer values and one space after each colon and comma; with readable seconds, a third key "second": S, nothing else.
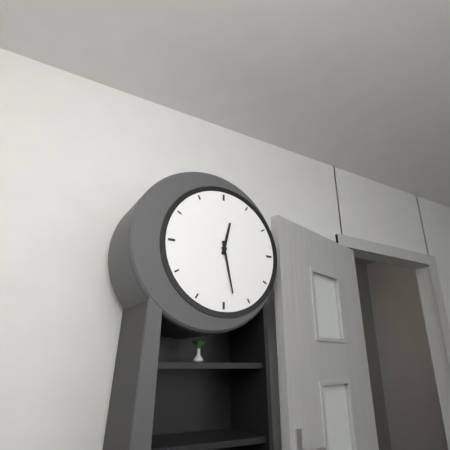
{"hour": 12, "minute": 28}
